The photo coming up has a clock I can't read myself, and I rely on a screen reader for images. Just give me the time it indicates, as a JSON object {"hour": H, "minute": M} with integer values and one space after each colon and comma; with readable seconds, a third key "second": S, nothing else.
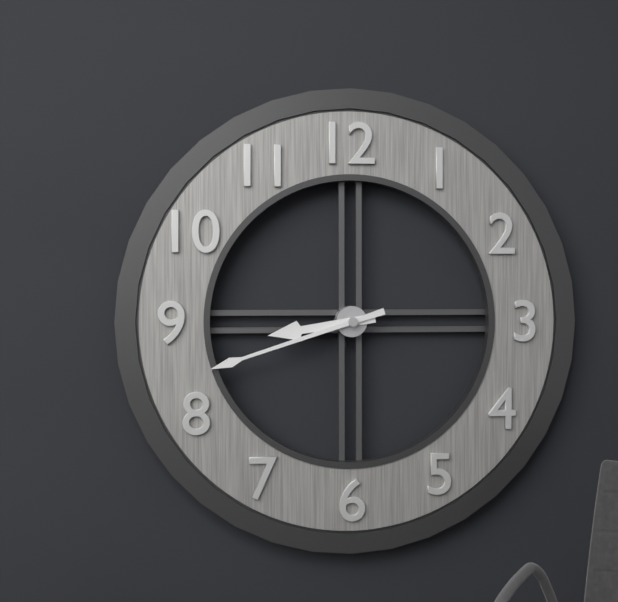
{"hour": 8, "minute": 42}
